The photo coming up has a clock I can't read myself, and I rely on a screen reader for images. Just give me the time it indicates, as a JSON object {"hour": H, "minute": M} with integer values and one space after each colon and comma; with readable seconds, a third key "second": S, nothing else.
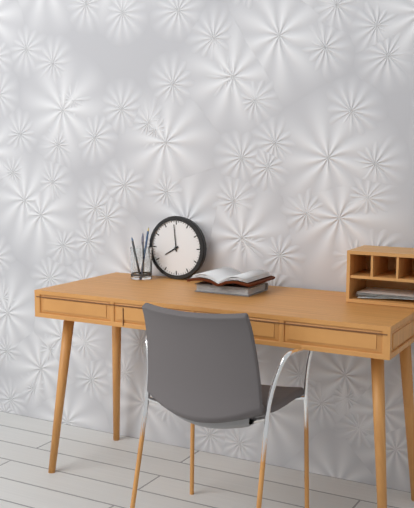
{"hour": 7, "minute": 59}
